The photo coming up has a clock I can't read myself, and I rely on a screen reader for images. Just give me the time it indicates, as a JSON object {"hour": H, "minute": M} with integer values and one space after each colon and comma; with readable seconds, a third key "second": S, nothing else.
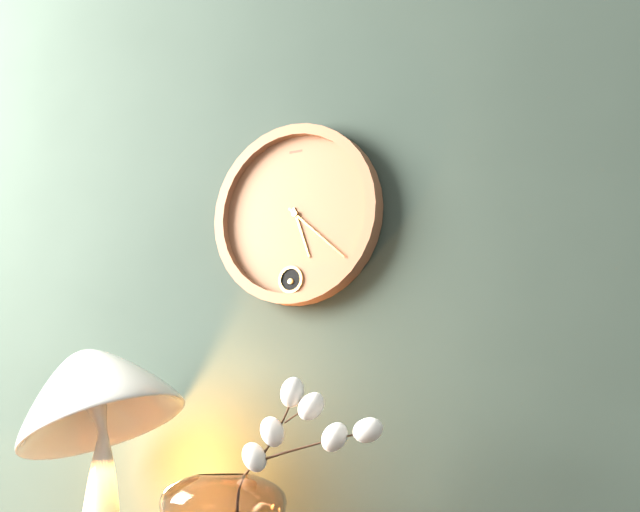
{"hour": 5, "minute": 22}
